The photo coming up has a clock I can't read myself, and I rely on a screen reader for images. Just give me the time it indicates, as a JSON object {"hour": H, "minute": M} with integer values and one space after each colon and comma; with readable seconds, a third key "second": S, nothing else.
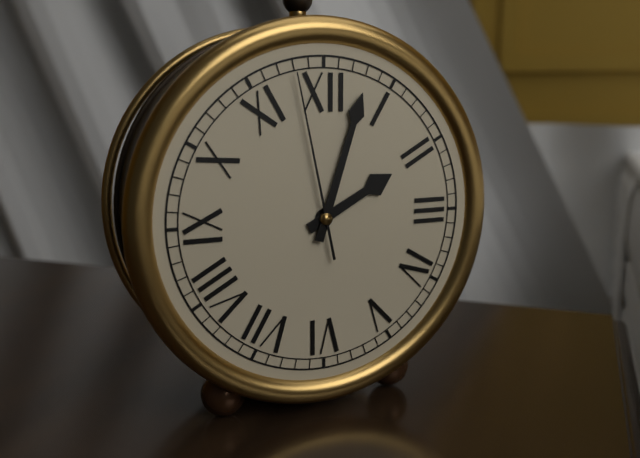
{"hour": 2, "minute": 3, "second": 58}
